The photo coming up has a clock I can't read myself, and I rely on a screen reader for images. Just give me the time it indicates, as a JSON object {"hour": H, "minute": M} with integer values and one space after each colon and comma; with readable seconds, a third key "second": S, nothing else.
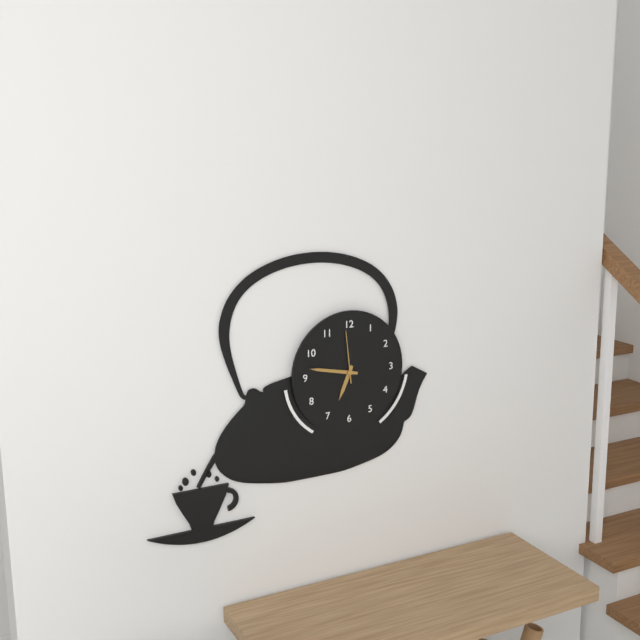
{"hour": 6, "minute": 47, "second": 59}
